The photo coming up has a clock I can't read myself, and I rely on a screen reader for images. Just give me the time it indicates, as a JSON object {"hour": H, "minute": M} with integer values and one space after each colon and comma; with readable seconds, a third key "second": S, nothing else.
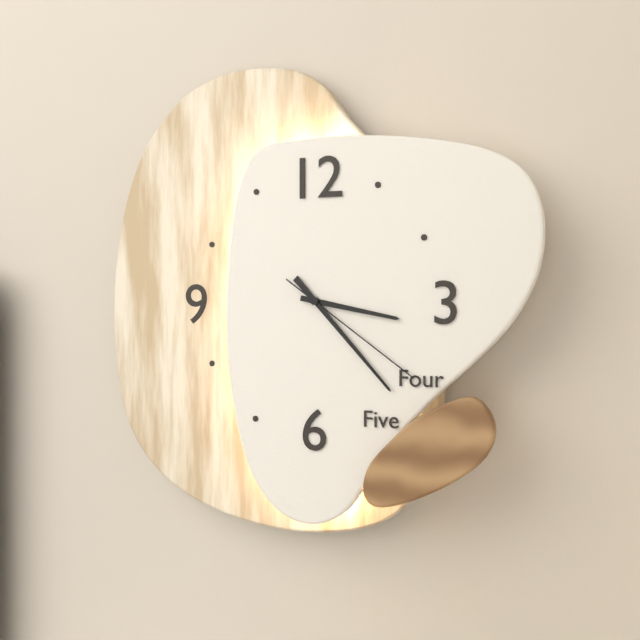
{"hour": 3, "minute": 23, "second": 21}
